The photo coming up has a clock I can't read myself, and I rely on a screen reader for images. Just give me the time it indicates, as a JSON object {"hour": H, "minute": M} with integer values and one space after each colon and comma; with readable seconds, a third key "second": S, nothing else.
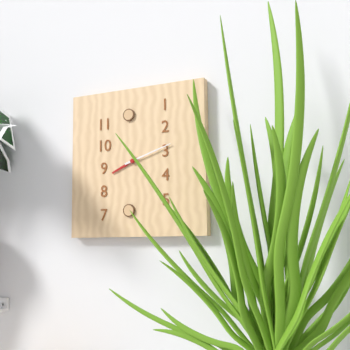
{"hour": 8, "minute": 12}
